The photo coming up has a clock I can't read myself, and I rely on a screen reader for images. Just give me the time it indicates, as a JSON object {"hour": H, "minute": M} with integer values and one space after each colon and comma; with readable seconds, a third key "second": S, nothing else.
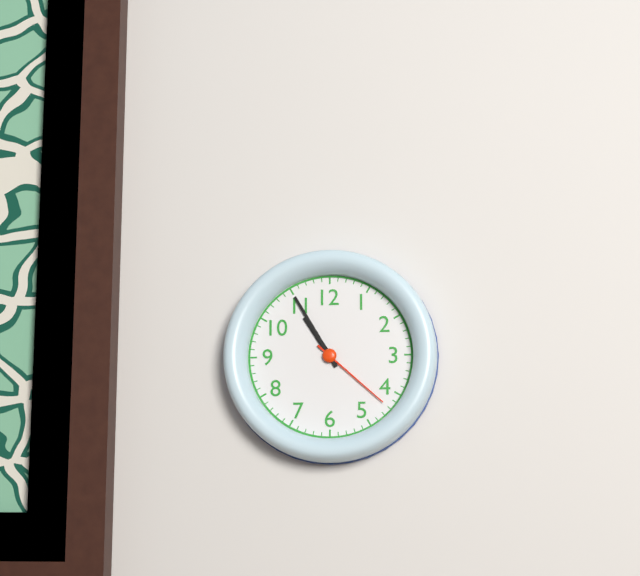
{"hour": 10, "minute": 55, "second": 22}
